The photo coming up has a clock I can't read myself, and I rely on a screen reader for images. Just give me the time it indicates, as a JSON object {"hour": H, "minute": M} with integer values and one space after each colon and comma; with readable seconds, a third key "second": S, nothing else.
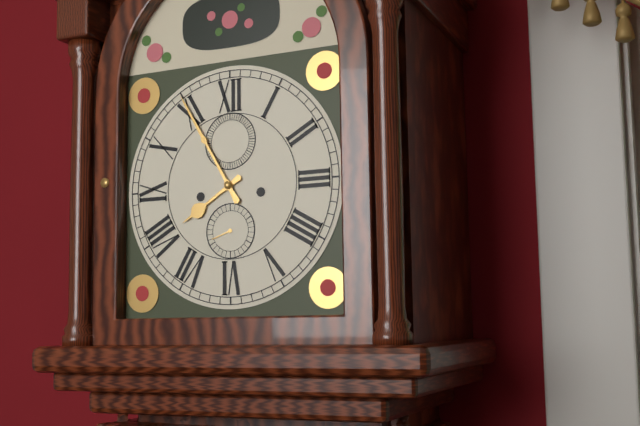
{"hour": 7, "minute": 55}
